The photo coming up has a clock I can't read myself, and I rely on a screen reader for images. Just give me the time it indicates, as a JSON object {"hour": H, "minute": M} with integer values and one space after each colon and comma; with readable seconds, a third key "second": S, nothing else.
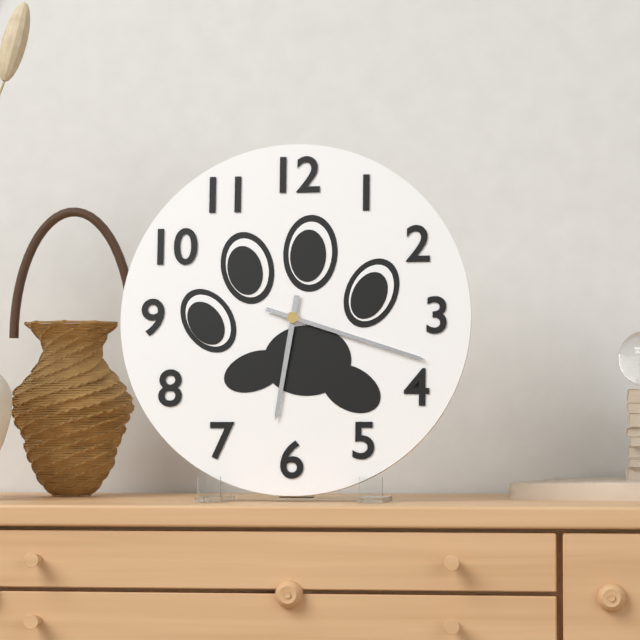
{"hour": 6, "minute": 18}
